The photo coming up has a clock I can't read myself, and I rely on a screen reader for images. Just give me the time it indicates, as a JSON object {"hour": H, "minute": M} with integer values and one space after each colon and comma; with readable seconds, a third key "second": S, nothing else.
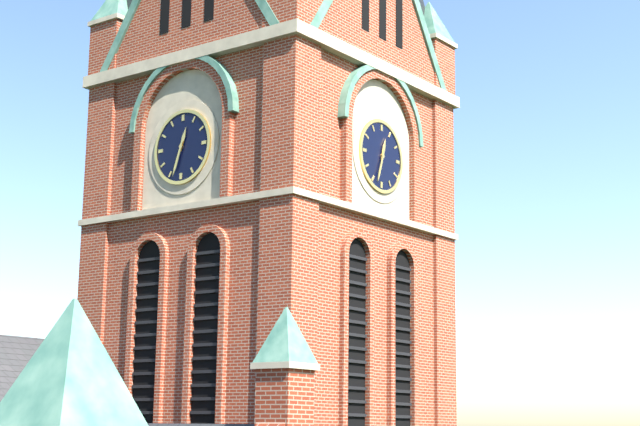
{"hour": 12, "minute": 33}
